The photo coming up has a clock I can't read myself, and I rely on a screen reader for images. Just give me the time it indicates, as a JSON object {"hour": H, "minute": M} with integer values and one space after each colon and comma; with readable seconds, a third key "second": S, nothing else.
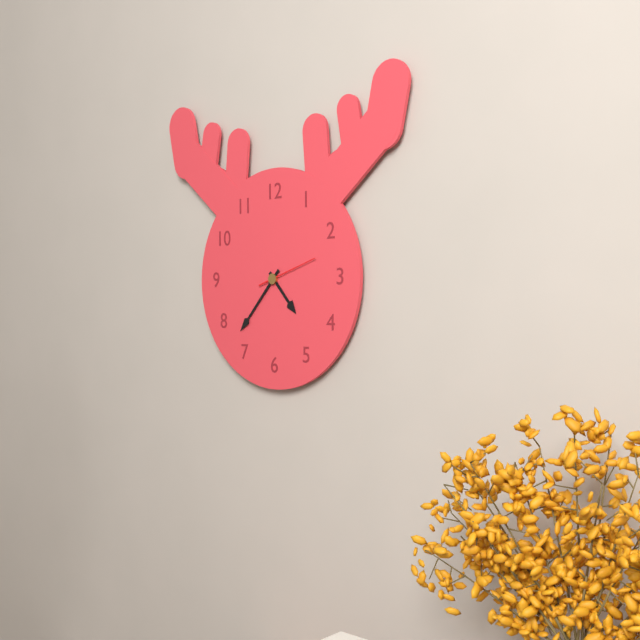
{"hour": 4, "minute": 37}
